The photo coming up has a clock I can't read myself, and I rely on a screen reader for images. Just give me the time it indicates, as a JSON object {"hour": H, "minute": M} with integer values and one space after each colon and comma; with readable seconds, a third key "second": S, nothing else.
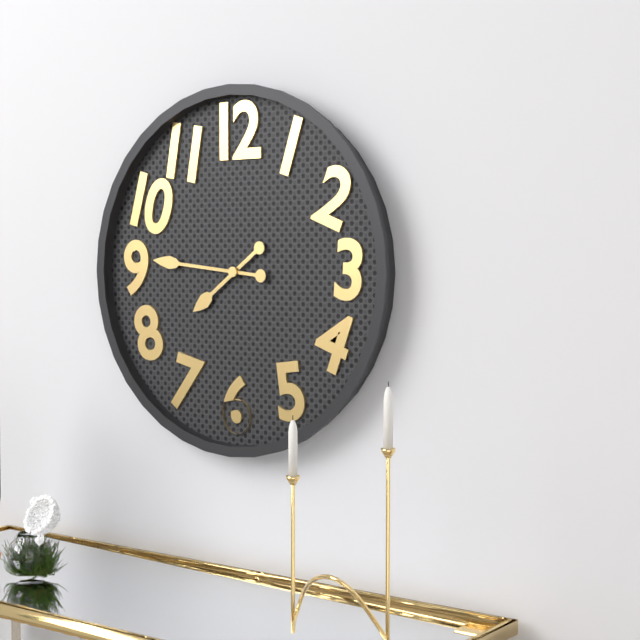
{"hour": 7, "minute": 46}
